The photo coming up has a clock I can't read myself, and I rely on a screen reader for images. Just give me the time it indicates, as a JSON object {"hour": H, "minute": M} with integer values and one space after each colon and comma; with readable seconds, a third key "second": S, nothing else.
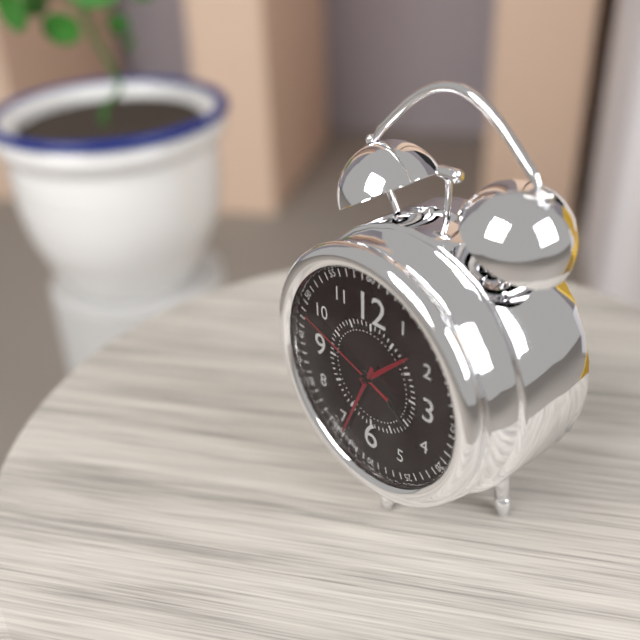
{"hour": 1, "minute": 34, "second": 48}
